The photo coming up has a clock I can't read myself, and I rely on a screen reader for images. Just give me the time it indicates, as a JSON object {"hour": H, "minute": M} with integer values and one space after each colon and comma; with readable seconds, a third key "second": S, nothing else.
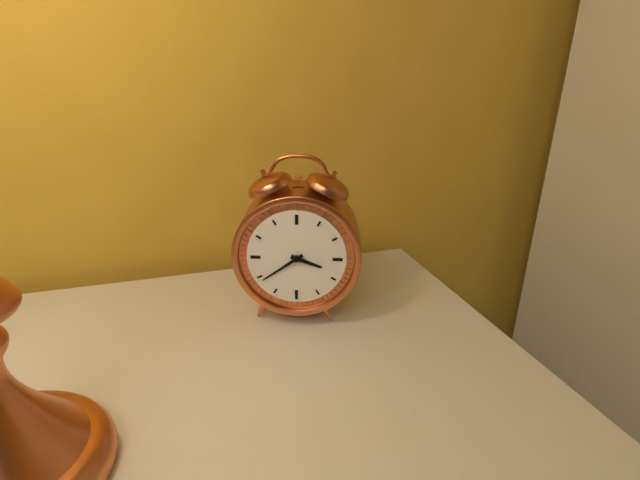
{"hour": 3, "minute": 39}
